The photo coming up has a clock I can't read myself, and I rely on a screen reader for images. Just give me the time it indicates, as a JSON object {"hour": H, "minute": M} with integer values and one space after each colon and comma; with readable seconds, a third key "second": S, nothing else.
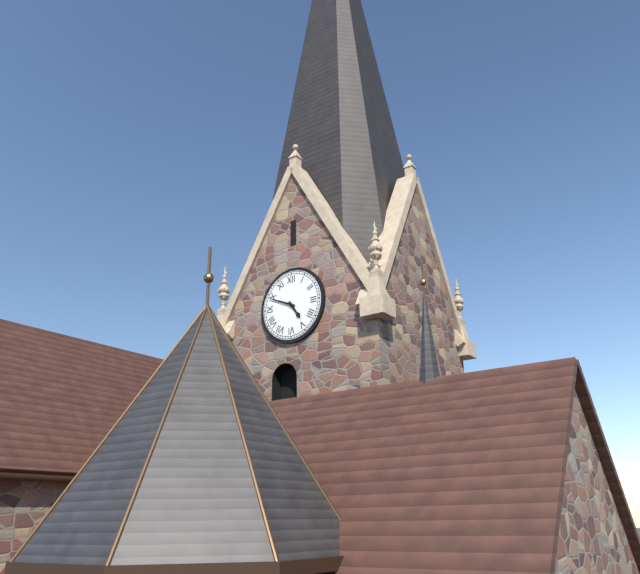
{"hour": 4, "minute": 49}
